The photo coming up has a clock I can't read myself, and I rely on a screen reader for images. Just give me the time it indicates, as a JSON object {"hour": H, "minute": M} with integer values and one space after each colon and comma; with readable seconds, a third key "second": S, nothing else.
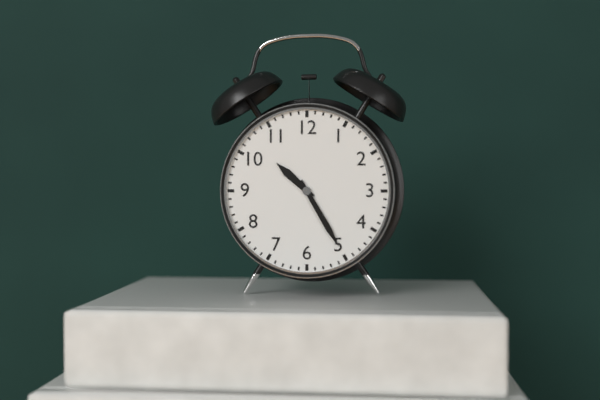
{"hour": 10, "minute": 25}
